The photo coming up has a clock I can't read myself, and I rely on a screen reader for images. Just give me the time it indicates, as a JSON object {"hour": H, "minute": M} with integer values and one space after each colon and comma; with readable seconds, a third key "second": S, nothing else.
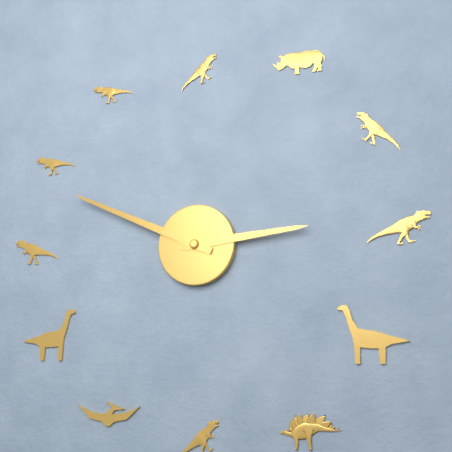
{"hour": 2, "minute": 49}
